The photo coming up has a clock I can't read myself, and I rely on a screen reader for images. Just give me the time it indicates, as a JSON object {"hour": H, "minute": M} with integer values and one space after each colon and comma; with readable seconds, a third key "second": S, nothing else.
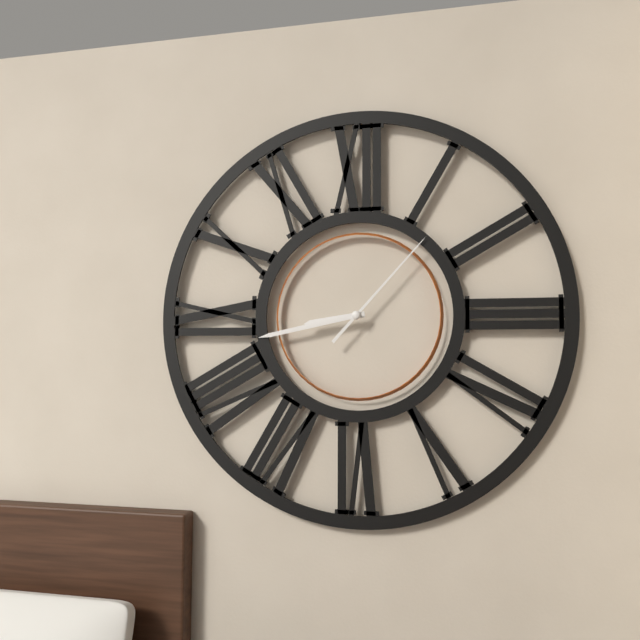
{"hour": 8, "minute": 43, "second": 7}
